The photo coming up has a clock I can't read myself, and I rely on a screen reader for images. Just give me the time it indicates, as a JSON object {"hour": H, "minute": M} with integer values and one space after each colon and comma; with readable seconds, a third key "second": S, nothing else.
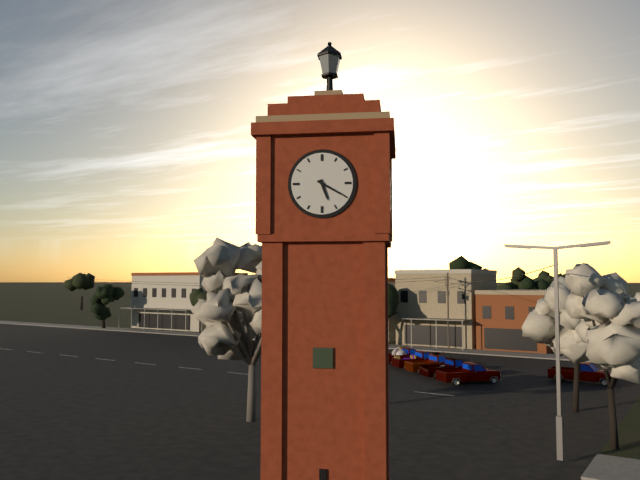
{"hour": 5, "minute": 20}
